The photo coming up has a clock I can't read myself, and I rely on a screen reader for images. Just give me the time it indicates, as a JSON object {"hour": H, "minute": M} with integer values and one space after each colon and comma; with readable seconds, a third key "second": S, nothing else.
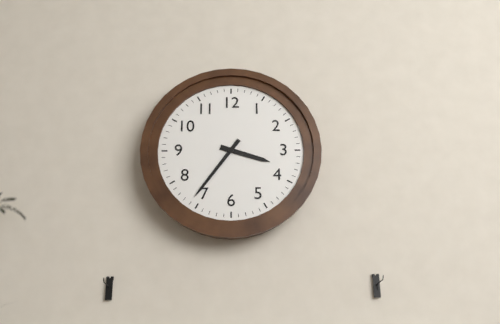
{"hour": 3, "minute": 36}
